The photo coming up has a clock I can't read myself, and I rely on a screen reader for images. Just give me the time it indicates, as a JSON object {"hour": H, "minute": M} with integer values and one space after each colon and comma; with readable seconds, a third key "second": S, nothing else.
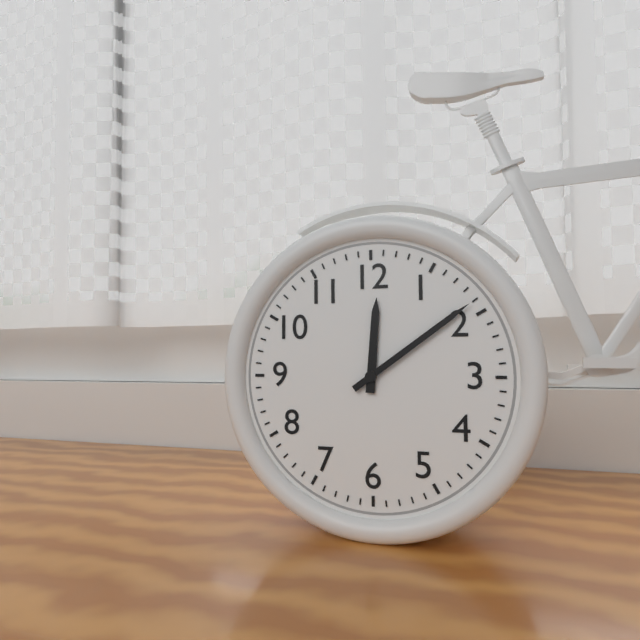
{"hour": 12, "minute": 9}
